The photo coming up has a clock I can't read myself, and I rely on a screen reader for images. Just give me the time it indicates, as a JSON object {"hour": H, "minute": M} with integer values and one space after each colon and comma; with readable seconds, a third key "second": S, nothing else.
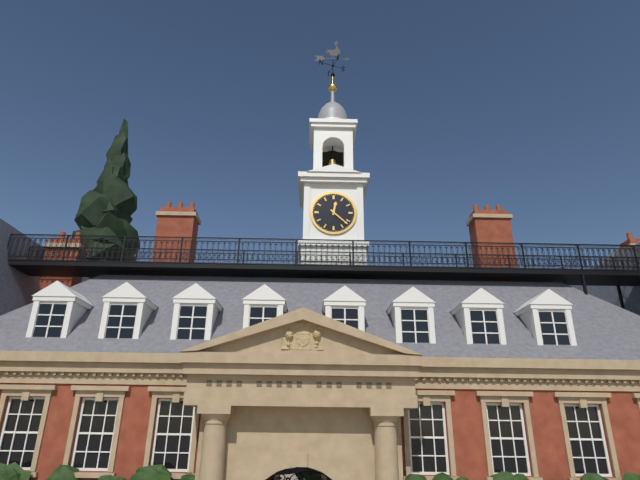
{"hour": 12, "minute": 22}
